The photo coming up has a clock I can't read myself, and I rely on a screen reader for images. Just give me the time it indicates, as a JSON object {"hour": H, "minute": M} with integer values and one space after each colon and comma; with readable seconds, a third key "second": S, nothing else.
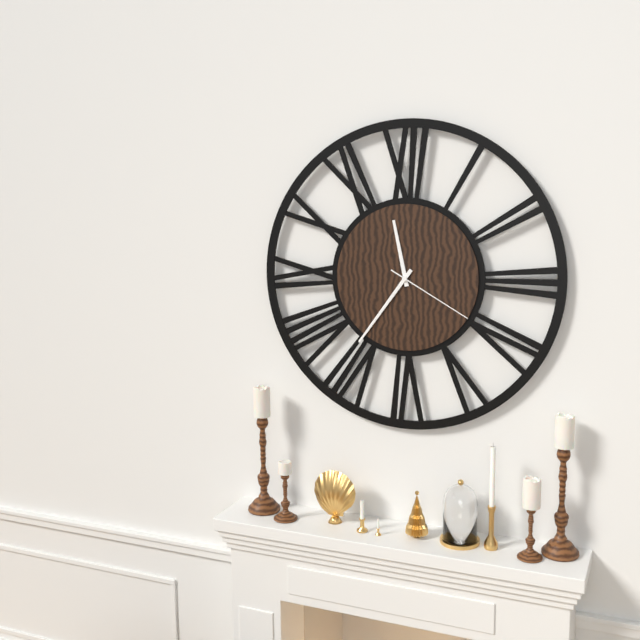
{"hour": 11, "minute": 36, "second": 20}
